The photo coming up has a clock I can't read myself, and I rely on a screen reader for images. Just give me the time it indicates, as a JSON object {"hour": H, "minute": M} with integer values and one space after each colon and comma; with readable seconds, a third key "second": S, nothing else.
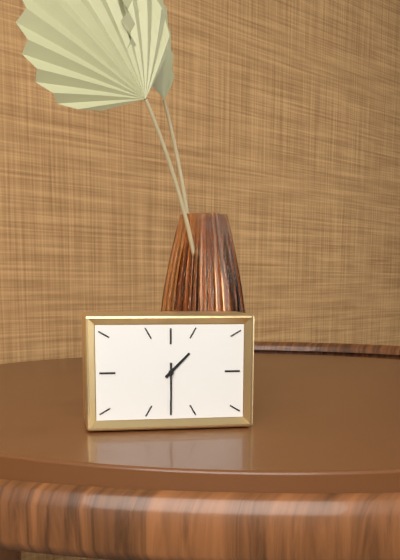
{"hour": 1, "minute": 30}
